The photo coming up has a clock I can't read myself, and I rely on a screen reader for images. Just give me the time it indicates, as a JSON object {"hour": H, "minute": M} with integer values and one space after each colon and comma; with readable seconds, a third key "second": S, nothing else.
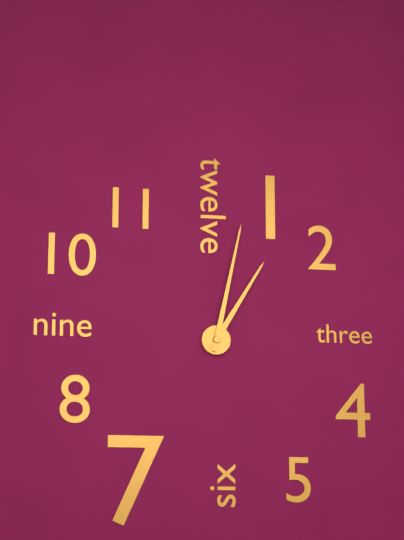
{"hour": 1, "minute": 2}
